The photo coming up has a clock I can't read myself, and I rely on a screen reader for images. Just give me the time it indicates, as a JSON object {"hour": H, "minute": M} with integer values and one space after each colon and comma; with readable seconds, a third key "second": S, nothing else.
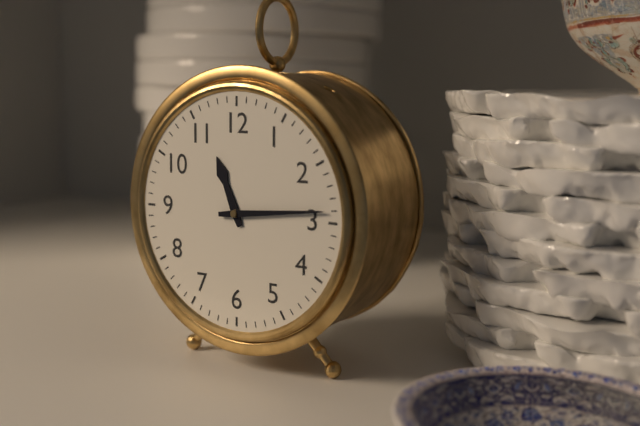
{"hour": 11, "minute": 14}
